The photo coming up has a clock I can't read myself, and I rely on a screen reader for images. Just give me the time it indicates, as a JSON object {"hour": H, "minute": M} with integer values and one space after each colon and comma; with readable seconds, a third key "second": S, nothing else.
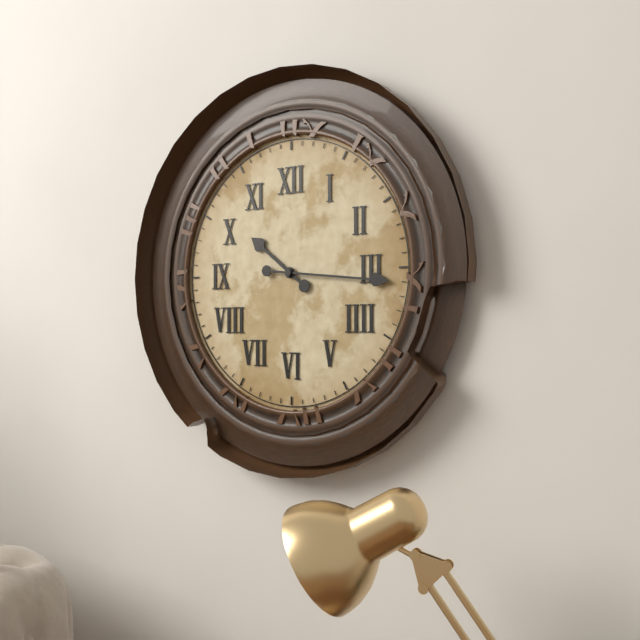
{"hour": 10, "minute": 16}
